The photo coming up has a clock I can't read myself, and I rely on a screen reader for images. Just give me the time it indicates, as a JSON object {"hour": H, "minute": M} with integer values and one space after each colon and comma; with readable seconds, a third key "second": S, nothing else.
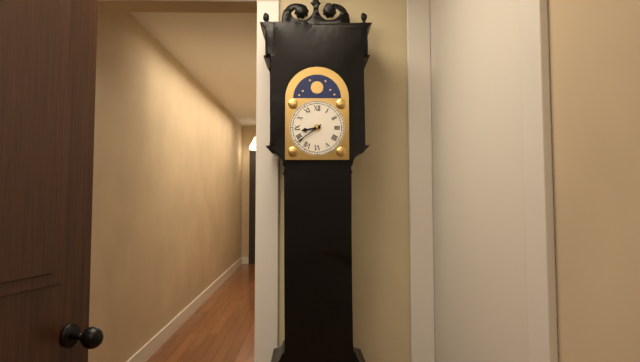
{"hour": 8, "minute": 39}
